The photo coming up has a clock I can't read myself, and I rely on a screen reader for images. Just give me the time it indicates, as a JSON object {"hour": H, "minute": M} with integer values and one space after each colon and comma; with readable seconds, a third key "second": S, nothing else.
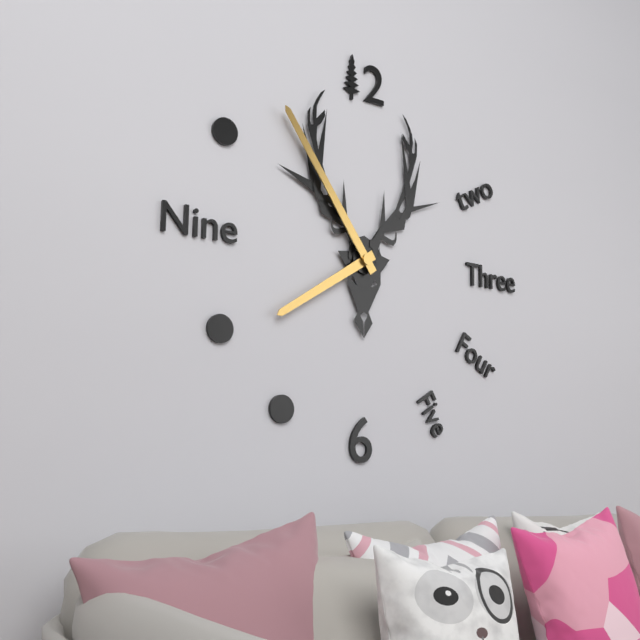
{"hour": 7, "minute": 54}
